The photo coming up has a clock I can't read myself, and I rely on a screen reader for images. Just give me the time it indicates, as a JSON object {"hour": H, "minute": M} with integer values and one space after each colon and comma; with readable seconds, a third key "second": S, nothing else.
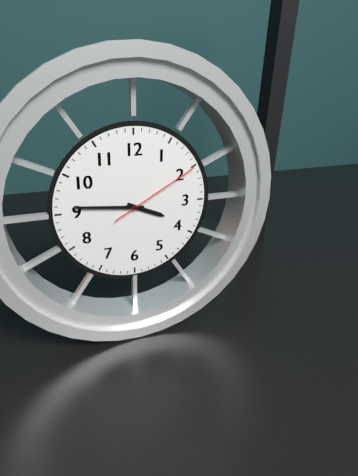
{"hour": 3, "minute": 46, "second": 10}
